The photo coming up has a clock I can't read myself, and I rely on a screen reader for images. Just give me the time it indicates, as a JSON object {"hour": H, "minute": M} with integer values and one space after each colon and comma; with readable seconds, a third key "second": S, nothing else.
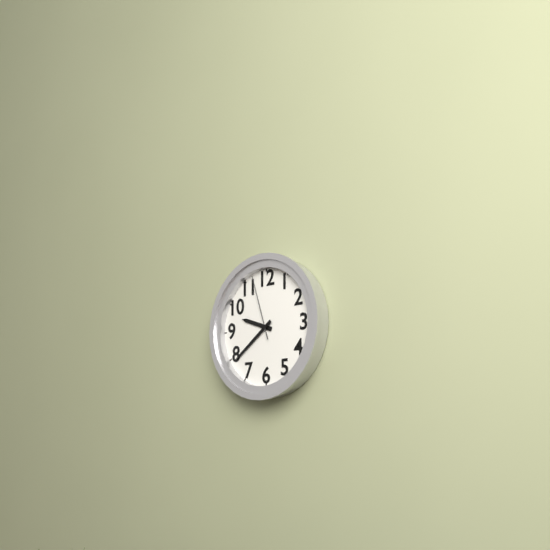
{"hour": 9, "minute": 39, "second": 57}
